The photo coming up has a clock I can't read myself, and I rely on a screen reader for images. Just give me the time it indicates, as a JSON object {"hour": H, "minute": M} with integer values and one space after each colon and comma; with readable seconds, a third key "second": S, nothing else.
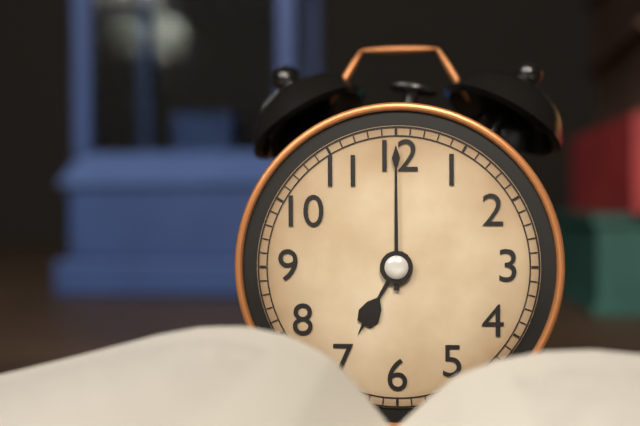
{"hour": 7, "minute": 0}
